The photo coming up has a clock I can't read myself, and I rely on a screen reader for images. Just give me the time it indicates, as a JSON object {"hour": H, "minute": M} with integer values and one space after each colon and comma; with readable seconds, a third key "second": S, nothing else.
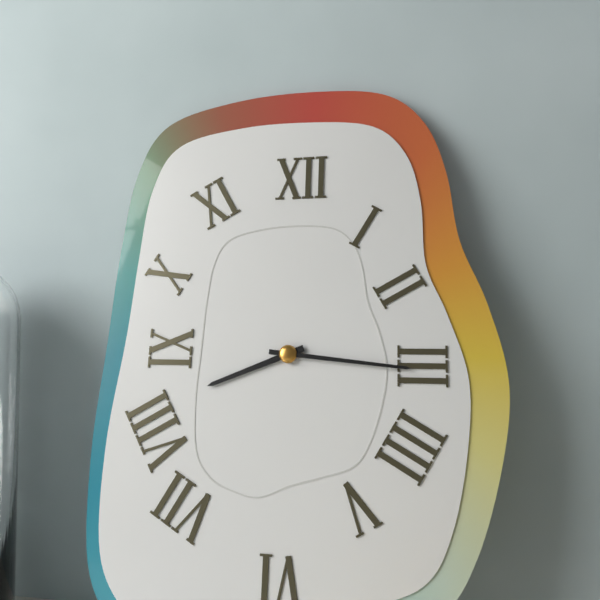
{"hour": 8, "minute": 16}
